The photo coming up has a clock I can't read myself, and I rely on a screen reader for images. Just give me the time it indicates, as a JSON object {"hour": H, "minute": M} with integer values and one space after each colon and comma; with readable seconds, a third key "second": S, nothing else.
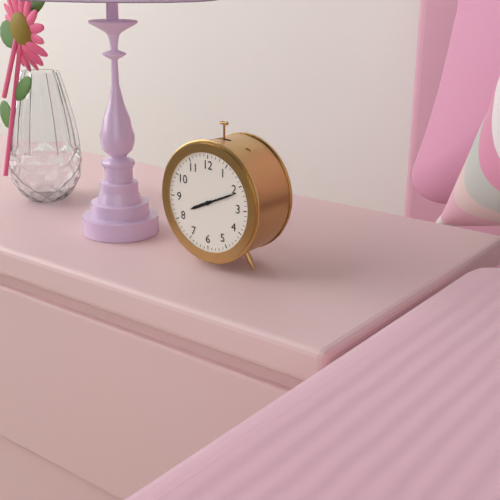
{"hour": 8, "minute": 11}
